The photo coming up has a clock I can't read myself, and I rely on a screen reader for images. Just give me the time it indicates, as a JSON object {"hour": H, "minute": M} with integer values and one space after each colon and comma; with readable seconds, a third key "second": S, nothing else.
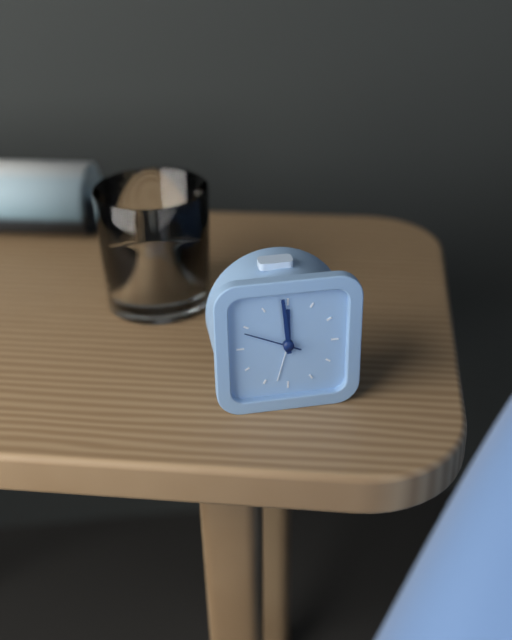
{"hour": 11, "minute": 59, "second": 49}
